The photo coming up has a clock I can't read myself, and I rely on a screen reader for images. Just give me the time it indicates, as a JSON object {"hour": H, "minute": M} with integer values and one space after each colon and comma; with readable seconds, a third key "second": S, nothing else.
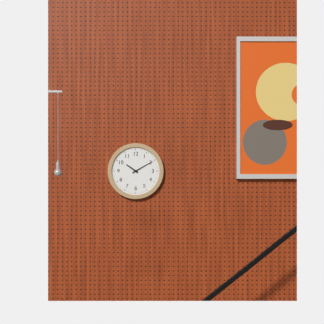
{"hour": 10, "minute": 10}
